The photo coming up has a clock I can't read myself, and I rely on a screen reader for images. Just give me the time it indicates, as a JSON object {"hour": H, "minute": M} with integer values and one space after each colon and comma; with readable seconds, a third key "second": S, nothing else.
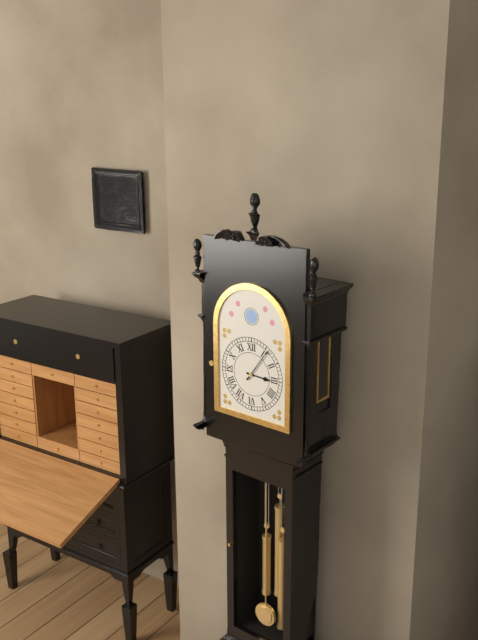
{"hour": 3, "minute": 6}
